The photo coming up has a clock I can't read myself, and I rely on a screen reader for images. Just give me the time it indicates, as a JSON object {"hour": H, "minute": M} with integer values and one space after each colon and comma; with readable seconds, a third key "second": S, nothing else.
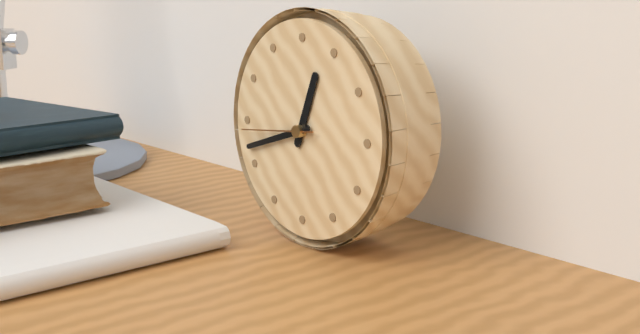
{"hour": 12, "minute": 42, "second": 44}
